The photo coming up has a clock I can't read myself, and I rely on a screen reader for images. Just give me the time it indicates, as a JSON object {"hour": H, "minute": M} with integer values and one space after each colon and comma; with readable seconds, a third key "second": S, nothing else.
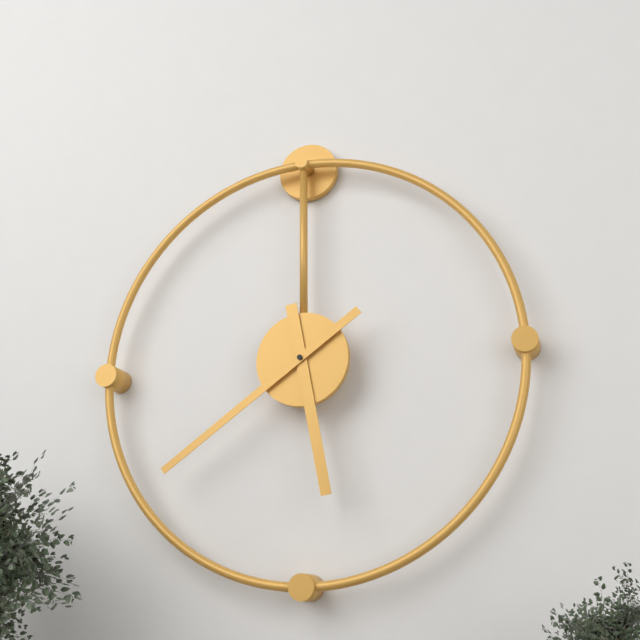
{"hour": 5, "minute": 39}
